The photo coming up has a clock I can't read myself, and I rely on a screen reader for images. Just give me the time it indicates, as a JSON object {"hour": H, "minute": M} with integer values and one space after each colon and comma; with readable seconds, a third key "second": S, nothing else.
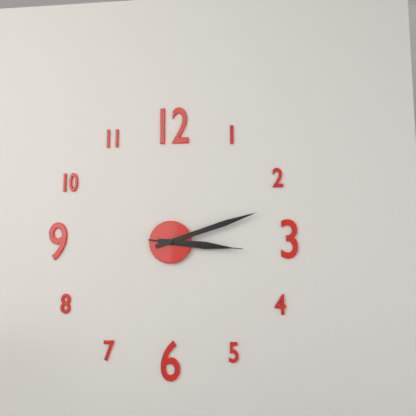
{"hour": 3, "minute": 12, "second": 16}
